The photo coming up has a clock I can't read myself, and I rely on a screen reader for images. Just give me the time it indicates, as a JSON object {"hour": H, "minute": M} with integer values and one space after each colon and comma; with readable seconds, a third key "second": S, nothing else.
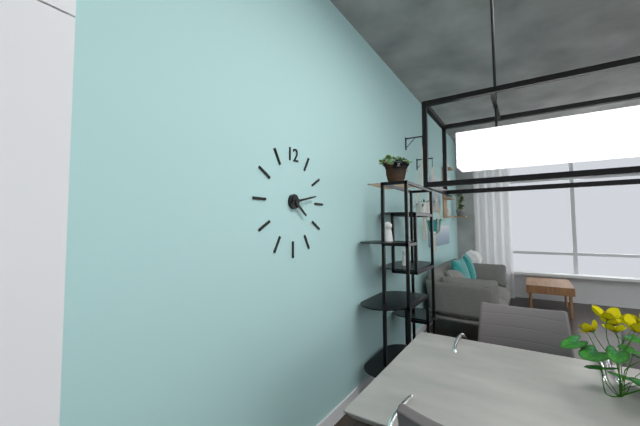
{"hour": 4, "minute": 13}
